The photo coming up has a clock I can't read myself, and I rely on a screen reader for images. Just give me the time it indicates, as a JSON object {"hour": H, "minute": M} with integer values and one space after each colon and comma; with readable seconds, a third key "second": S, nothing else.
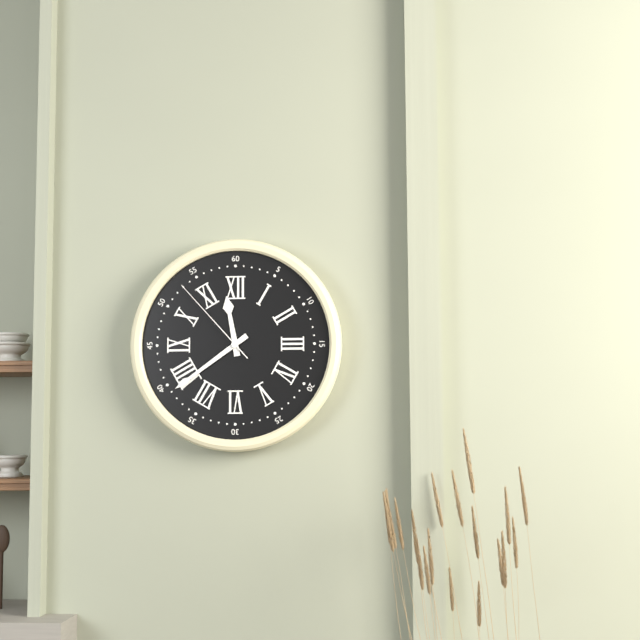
{"hour": 11, "minute": 39, "second": 53}
